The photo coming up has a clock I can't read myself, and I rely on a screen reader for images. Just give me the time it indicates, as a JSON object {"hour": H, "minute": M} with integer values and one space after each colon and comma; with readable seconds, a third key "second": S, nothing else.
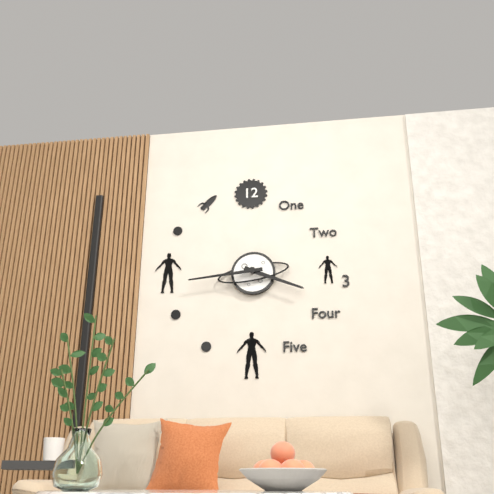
{"hour": 3, "minute": 44}
